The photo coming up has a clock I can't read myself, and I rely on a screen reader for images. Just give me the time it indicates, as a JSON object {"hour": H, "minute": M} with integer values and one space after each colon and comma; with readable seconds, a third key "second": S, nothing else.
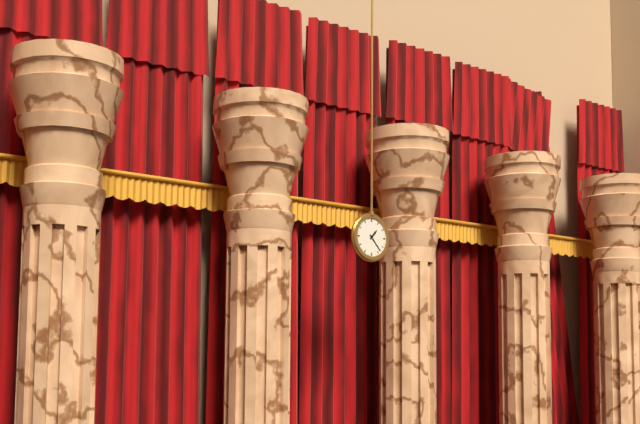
{"hour": 1, "minute": 23}
